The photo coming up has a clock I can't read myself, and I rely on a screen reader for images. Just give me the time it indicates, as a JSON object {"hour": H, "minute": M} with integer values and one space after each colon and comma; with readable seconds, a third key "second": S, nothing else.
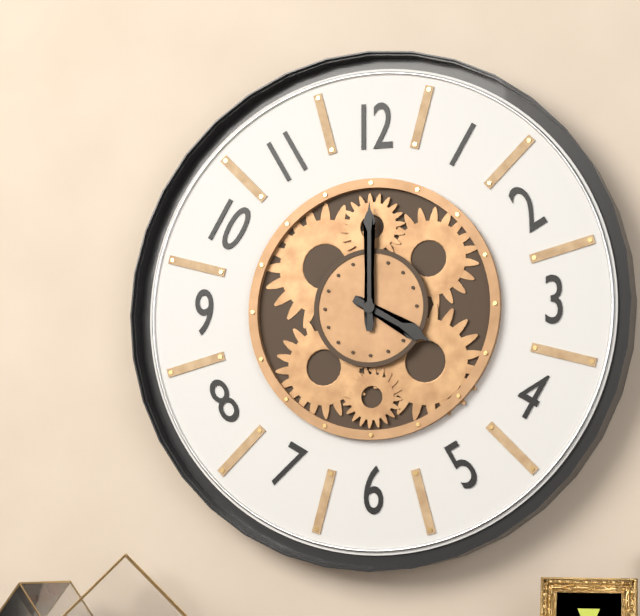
{"hour": 4, "minute": 0}
